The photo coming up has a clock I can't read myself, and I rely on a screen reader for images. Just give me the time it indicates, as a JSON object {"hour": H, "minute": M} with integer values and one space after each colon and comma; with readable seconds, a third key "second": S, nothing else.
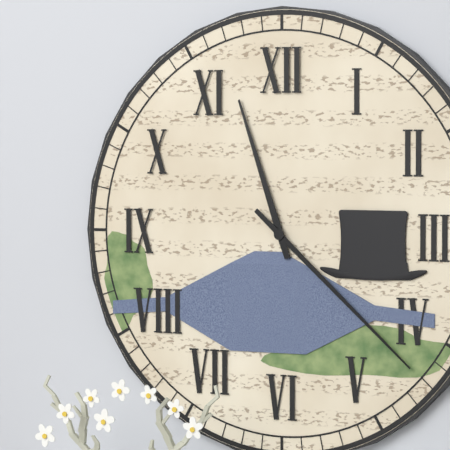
{"hour": 11, "minute": 22}
